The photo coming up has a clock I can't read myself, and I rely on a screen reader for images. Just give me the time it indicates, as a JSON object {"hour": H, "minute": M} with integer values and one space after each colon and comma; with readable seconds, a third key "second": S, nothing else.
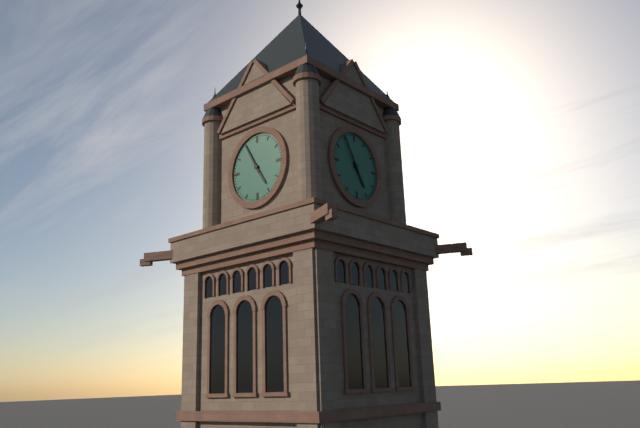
{"hour": 4, "minute": 55}
